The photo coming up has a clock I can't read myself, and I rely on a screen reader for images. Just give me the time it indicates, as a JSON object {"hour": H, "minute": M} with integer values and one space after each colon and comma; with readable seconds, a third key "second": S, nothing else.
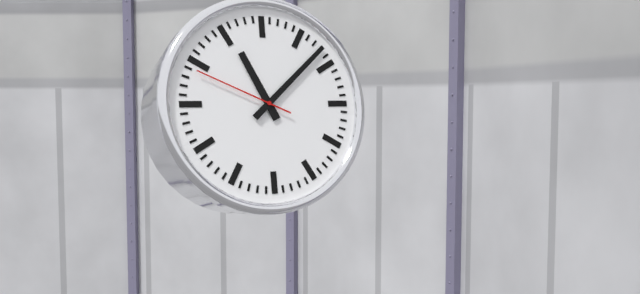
{"hour": 11, "minute": 8, "second": 49}
